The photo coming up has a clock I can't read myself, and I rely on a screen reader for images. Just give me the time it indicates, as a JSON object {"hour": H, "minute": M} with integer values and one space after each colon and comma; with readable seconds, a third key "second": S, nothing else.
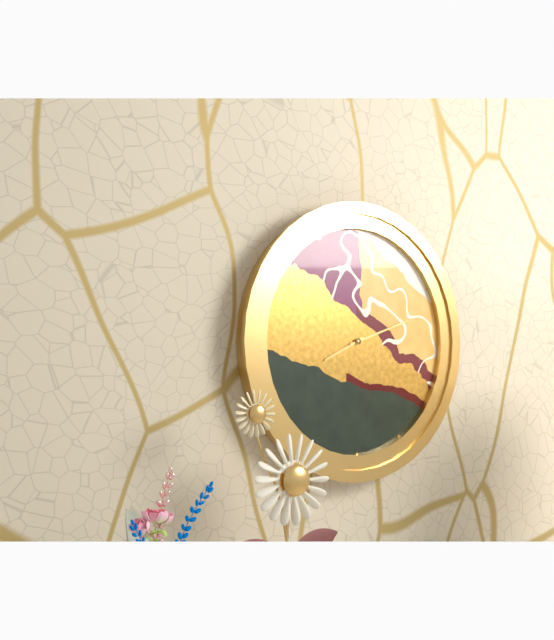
{"hour": 8, "minute": 12}
